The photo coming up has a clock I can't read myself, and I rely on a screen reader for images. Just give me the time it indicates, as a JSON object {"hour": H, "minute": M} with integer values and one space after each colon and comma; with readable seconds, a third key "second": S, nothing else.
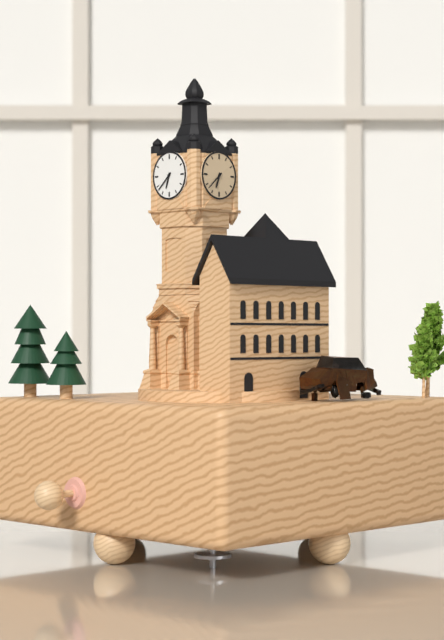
{"hour": 6, "minute": 38}
